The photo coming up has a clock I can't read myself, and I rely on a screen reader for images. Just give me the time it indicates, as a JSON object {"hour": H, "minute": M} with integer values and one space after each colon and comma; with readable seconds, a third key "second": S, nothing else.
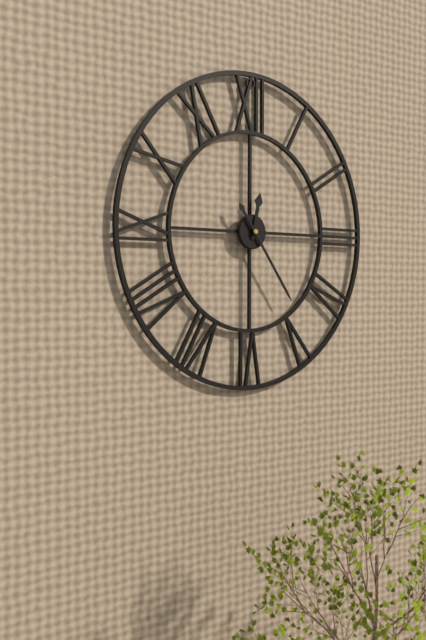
{"hour": 12, "minute": 24}
